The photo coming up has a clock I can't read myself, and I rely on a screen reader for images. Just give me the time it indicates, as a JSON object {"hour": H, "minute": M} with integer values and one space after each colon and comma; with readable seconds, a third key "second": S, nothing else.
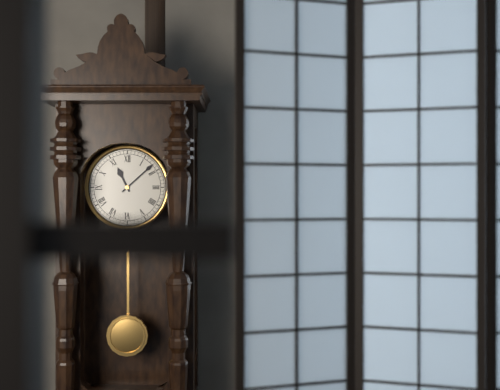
{"hour": 11, "minute": 8}
